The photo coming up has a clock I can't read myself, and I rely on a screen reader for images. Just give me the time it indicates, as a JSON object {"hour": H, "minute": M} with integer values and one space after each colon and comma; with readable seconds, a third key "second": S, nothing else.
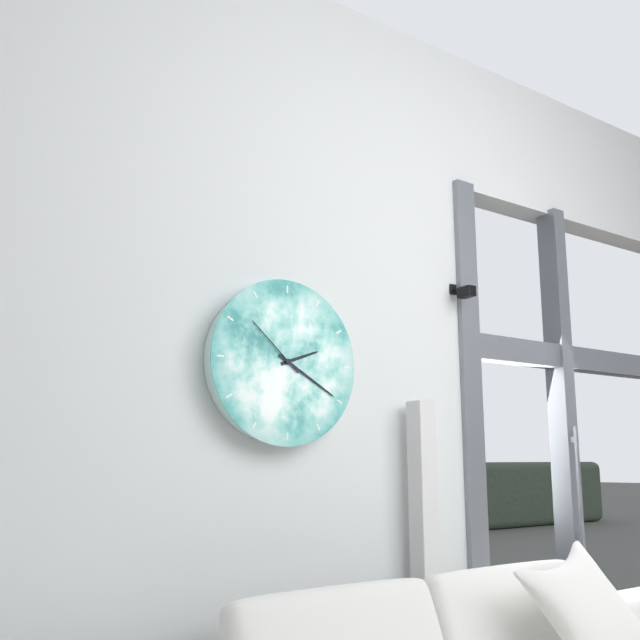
{"hour": 2, "minute": 20, "second": 52}
